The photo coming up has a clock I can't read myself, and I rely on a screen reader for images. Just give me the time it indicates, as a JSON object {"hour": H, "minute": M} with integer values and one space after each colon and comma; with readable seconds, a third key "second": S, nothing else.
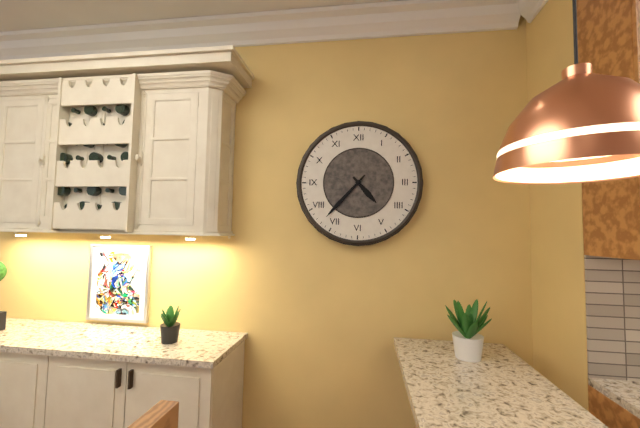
{"hour": 4, "minute": 37}
